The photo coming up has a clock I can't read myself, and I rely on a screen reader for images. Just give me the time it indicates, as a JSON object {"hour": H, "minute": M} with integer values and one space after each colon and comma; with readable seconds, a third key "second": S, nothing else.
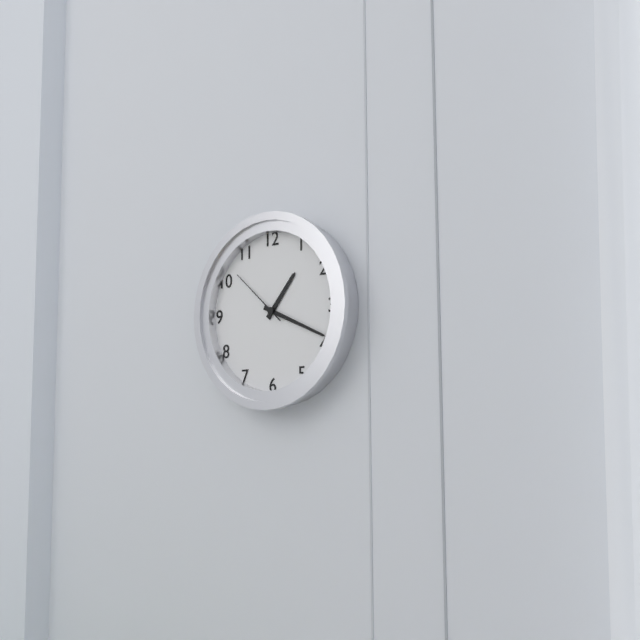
{"hour": 1, "minute": 19, "second": 52}
